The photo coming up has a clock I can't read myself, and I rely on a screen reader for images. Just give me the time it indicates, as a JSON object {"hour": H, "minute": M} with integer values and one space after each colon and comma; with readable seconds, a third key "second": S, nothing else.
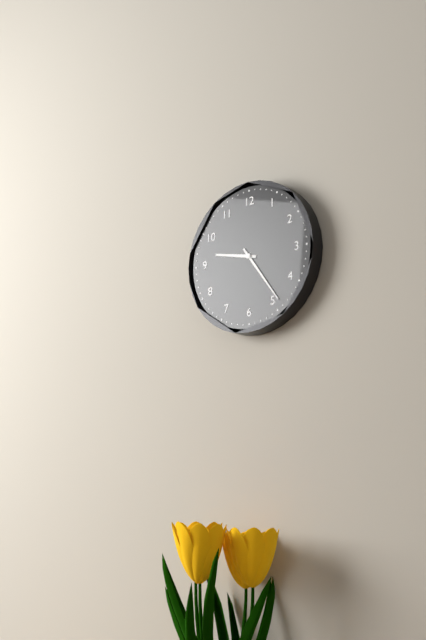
{"hour": 9, "minute": 24}
